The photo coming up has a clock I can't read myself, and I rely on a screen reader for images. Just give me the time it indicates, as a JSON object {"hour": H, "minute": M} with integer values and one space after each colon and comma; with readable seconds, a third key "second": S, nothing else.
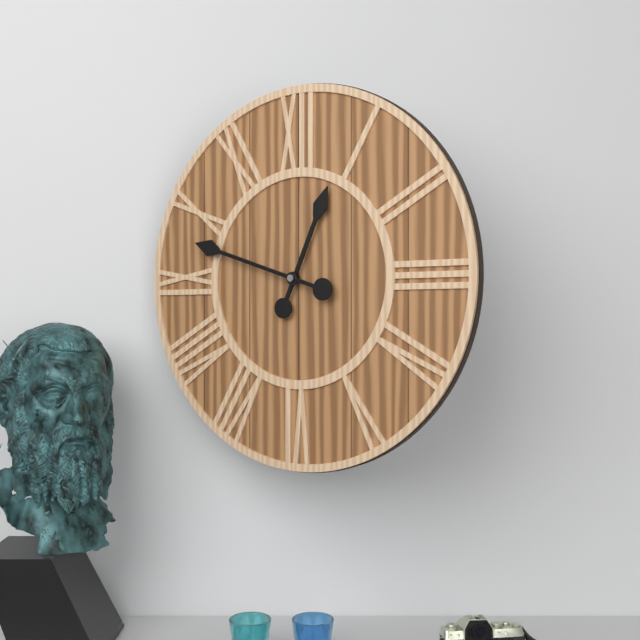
{"hour": 12, "minute": 48}
